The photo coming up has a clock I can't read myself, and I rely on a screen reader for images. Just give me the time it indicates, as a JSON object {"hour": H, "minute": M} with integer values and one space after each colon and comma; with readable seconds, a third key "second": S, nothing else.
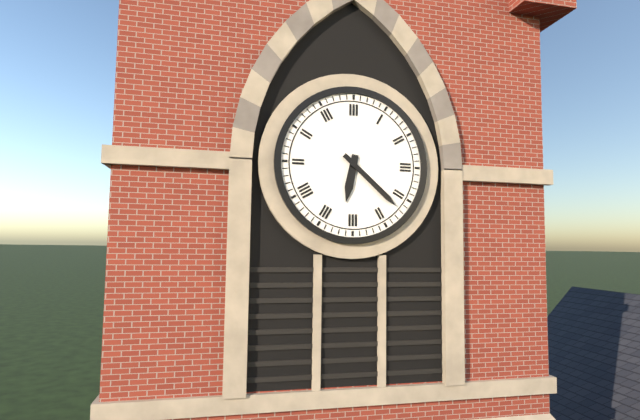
{"hour": 6, "minute": 22}
